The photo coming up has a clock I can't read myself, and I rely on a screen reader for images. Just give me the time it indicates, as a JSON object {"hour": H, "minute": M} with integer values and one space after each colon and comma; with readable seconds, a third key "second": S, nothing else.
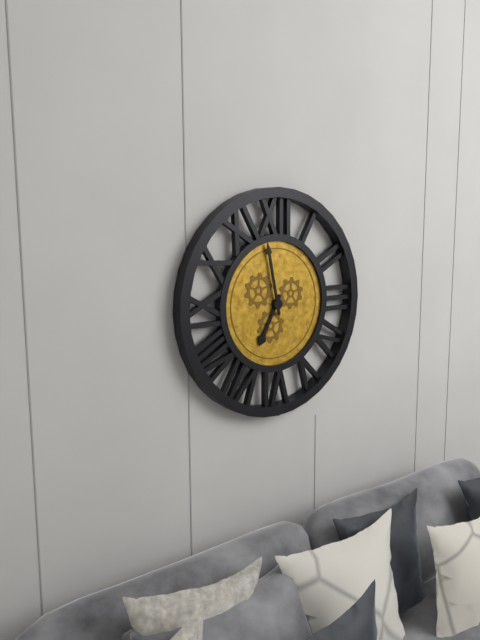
{"hour": 6, "minute": 58}
